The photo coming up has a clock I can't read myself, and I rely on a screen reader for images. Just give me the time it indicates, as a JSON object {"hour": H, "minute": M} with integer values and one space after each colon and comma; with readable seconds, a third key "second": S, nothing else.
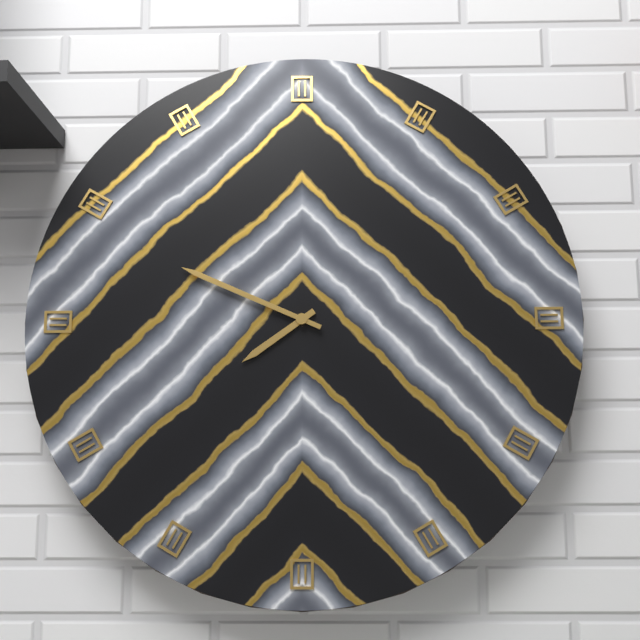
{"hour": 7, "minute": 49}
